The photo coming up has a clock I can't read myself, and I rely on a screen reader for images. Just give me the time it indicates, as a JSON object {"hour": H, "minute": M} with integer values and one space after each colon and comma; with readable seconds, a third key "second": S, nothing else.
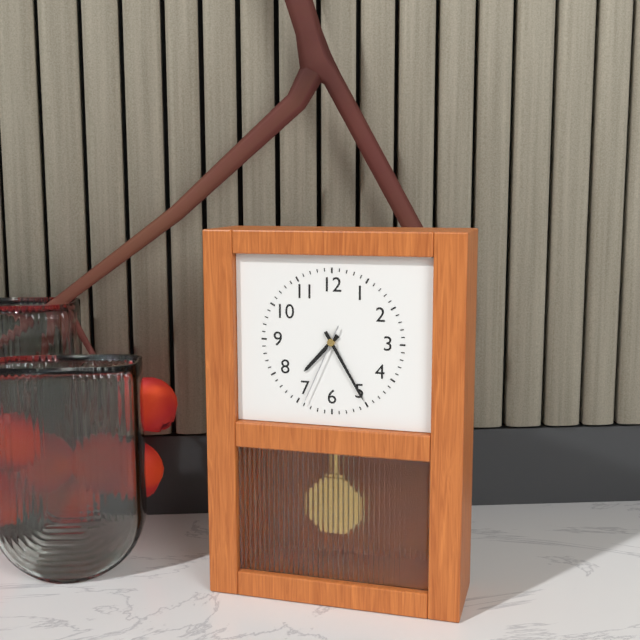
{"hour": 7, "minute": 25, "second": 34}
